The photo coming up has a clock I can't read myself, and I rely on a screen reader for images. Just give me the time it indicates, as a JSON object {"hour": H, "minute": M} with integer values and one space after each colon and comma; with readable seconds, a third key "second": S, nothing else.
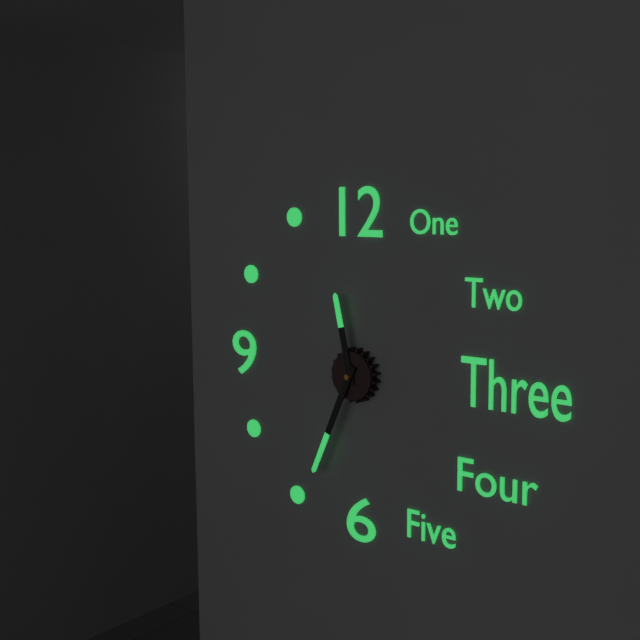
{"hour": 11, "minute": 34}
